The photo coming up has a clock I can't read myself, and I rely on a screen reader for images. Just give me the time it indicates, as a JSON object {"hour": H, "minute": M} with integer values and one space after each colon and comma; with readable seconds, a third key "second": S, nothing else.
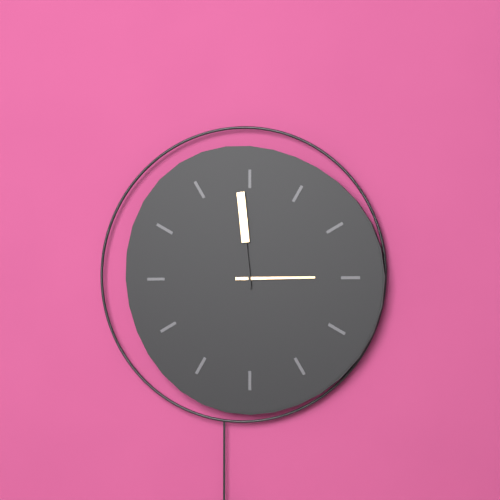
{"hour": 2, "minute": 59}
